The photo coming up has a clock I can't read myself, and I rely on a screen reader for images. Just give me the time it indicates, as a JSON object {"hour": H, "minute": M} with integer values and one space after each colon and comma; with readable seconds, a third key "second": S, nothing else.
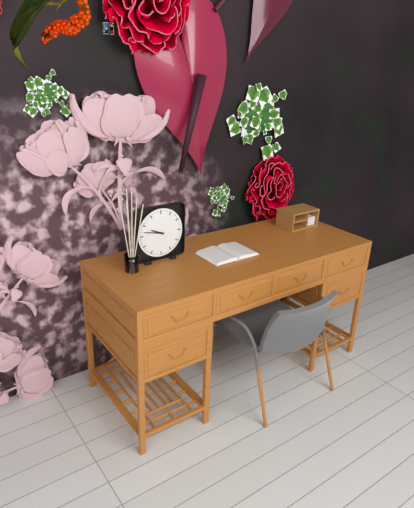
{"hour": 9, "minute": 47}
